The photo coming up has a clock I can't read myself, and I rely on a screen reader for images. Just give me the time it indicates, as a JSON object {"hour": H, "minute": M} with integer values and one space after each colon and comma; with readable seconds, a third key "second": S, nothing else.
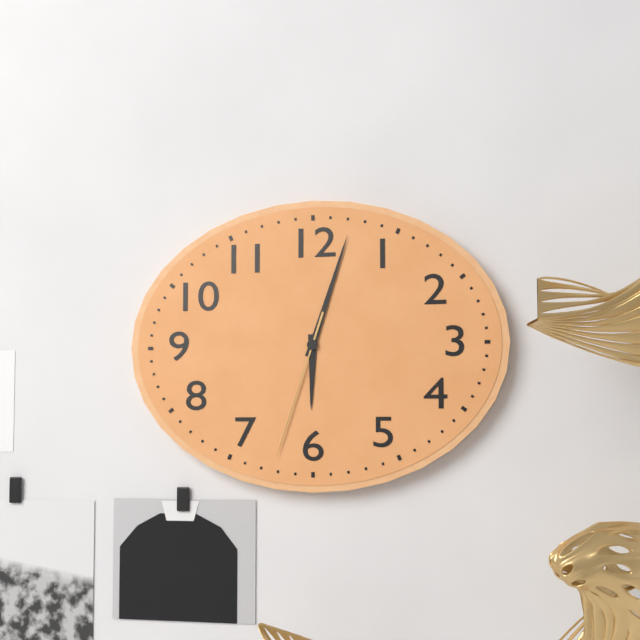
{"hour": 6, "minute": 3, "second": 33}
